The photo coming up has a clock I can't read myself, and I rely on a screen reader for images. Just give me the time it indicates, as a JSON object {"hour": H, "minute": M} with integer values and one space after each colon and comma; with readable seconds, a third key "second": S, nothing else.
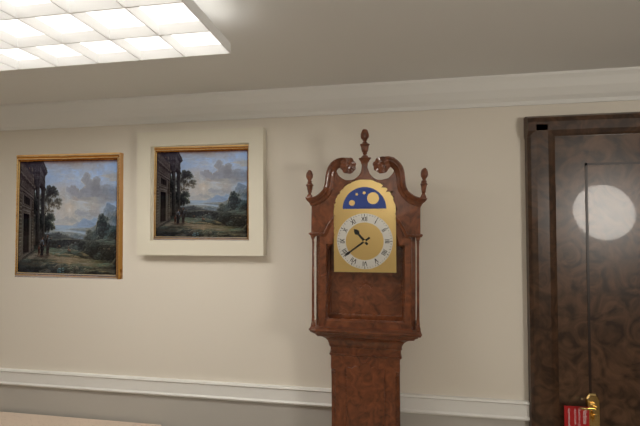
{"hour": 10, "minute": 39}
